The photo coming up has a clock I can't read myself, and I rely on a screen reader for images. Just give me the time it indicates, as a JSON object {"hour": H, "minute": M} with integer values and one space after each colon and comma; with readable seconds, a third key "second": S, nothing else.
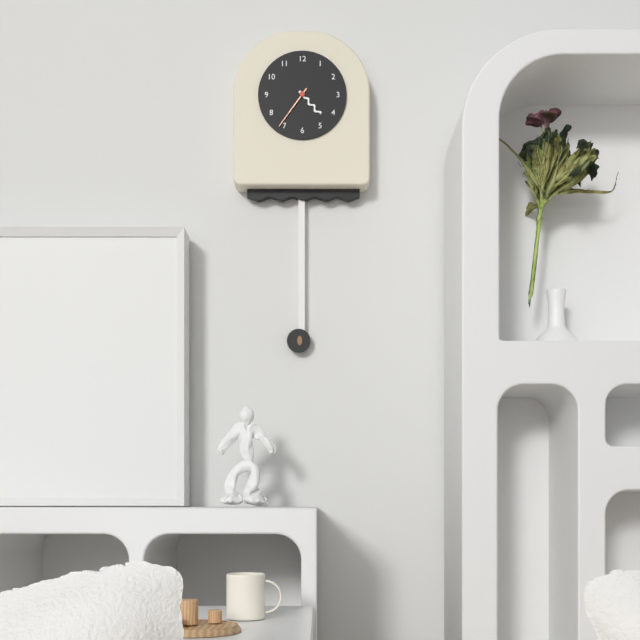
{"hour": 4, "minute": 36}
